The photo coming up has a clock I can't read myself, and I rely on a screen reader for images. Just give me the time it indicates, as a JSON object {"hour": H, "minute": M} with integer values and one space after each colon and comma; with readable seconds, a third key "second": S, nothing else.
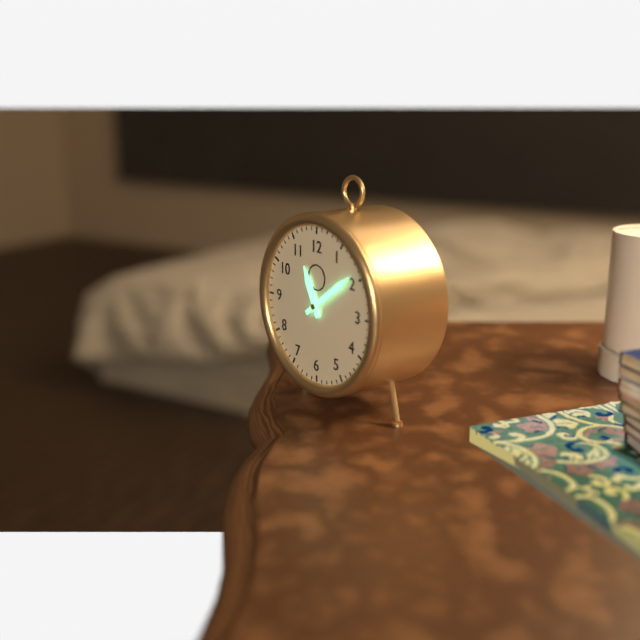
{"hour": 11, "minute": 9}
